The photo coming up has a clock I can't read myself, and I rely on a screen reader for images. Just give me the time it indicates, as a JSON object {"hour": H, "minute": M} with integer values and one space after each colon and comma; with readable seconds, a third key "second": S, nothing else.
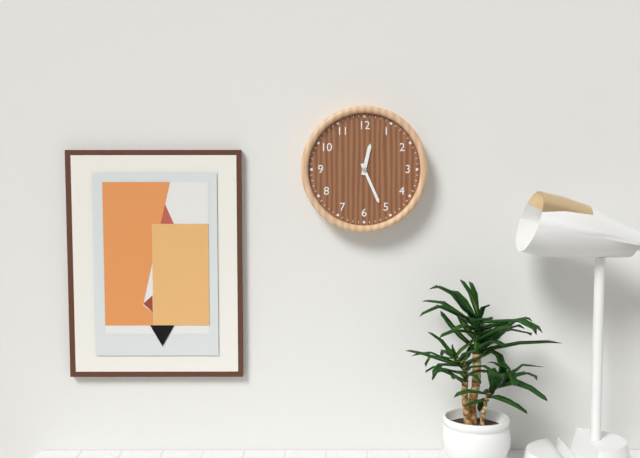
{"hour": 12, "minute": 26}
